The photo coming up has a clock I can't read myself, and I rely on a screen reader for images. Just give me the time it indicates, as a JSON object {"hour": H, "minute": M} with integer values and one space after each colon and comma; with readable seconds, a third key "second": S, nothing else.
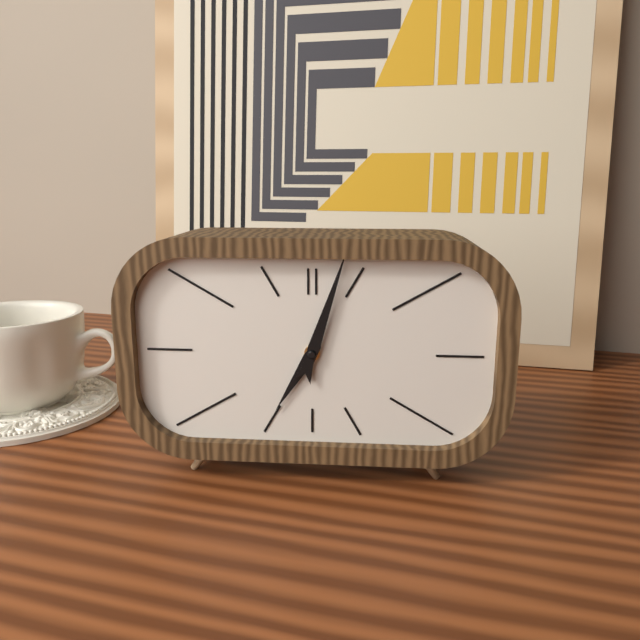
{"hour": 7, "minute": 3}
